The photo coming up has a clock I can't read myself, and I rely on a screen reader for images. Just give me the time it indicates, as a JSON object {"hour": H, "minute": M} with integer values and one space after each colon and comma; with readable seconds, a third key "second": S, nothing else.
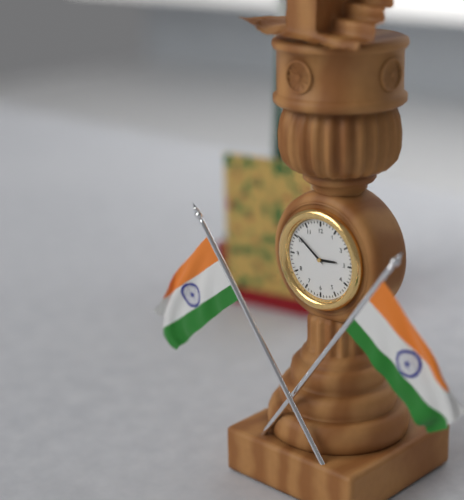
{"hour": 2, "minute": 51}
